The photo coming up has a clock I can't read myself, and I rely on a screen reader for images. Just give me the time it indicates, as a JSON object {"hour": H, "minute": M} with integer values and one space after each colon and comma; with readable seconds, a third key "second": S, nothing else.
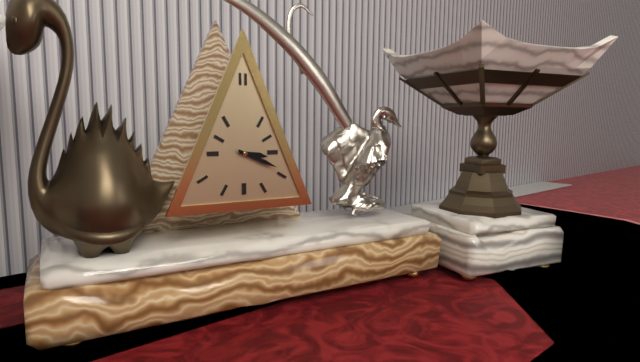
{"hour": 3, "minute": 19}
